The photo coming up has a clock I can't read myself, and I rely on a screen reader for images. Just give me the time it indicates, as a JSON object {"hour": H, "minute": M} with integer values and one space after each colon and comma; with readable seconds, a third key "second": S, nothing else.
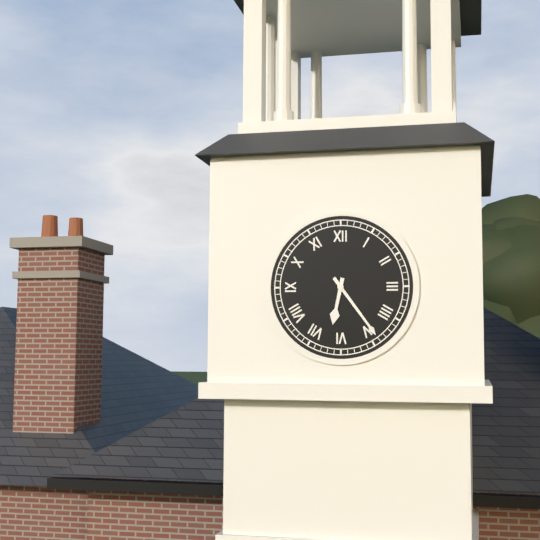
{"hour": 6, "minute": 24}
